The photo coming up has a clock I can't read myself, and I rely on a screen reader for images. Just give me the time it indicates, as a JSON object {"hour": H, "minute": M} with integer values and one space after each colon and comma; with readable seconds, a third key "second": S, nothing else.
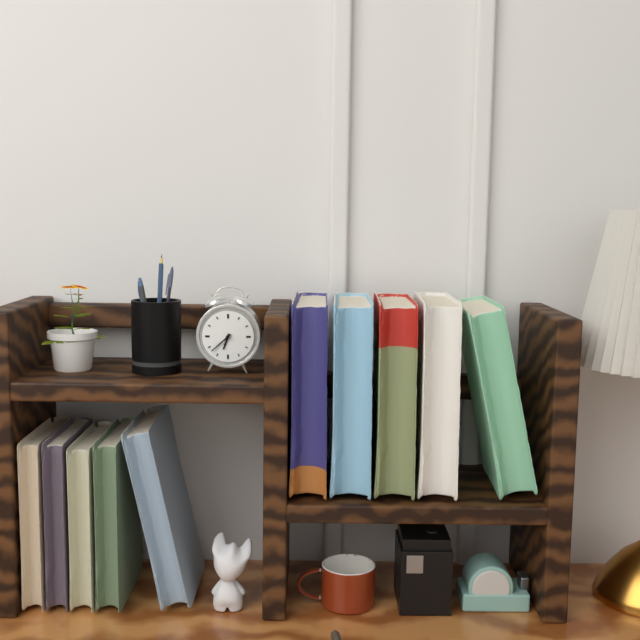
{"hour": 6, "minute": 38}
